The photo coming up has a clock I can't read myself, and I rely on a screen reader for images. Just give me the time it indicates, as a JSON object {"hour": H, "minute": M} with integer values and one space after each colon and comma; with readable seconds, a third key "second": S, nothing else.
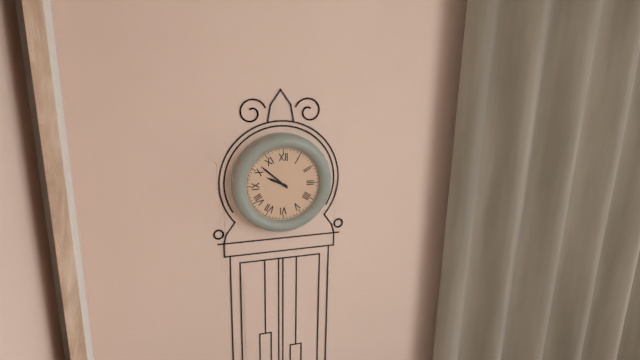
{"hour": 9, "minute": 52}
